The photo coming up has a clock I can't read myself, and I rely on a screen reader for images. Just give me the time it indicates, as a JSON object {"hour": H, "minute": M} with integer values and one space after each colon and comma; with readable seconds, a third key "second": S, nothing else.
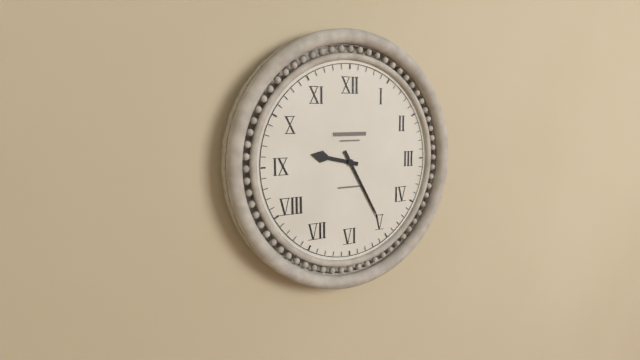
{"hour": 9, "minute": 25}
